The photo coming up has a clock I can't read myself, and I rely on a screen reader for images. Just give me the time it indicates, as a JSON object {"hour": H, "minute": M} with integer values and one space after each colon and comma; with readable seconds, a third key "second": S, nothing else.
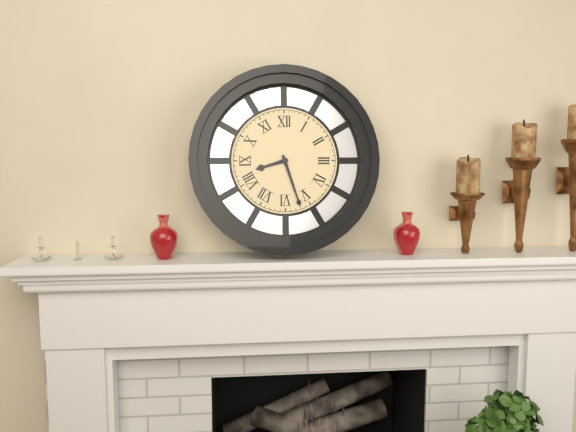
{"hour": 8, "minute": 27}
